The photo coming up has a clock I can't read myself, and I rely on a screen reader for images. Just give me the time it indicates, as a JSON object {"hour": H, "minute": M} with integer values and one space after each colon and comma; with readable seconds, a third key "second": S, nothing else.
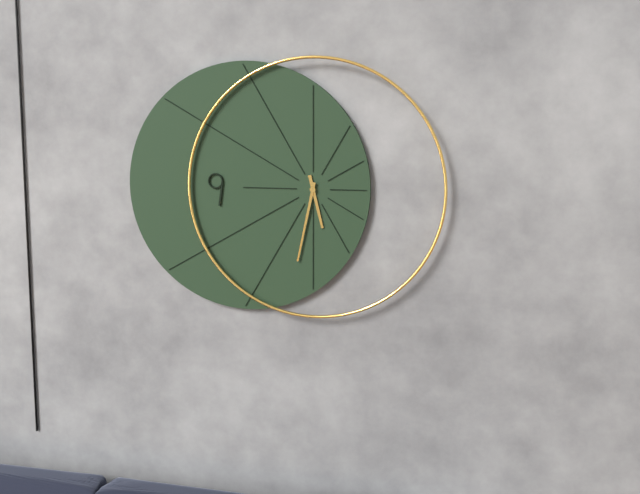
{"hour": 5, "minute": 32}
